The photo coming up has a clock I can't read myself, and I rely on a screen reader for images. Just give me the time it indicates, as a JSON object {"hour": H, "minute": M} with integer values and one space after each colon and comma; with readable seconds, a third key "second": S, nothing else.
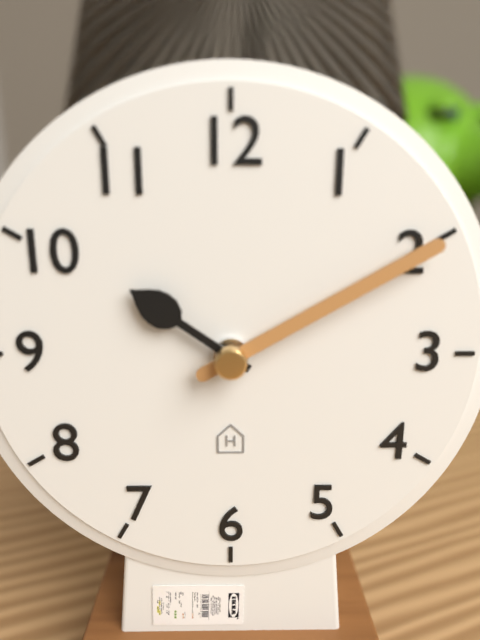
{"hour": 10, "minute": 10}
